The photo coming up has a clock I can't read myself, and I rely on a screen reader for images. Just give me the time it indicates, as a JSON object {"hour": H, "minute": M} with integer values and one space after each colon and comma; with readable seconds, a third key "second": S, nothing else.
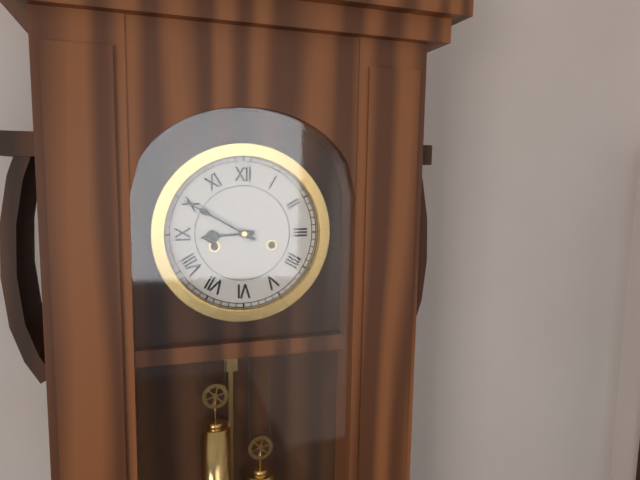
{"hour": 8, "minute": 50}
